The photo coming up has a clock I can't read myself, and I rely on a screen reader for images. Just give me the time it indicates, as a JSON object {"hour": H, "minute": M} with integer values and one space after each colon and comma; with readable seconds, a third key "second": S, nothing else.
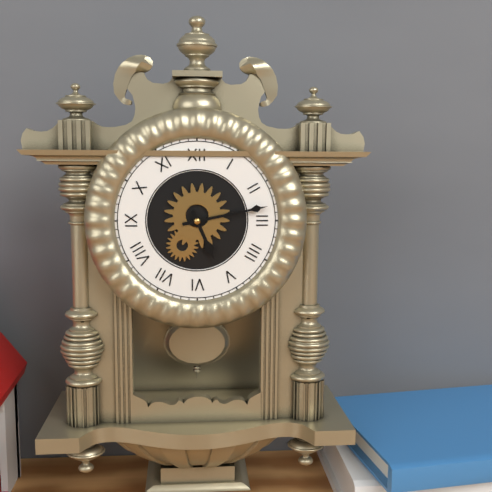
{"hour": 5, "minute": 13}
